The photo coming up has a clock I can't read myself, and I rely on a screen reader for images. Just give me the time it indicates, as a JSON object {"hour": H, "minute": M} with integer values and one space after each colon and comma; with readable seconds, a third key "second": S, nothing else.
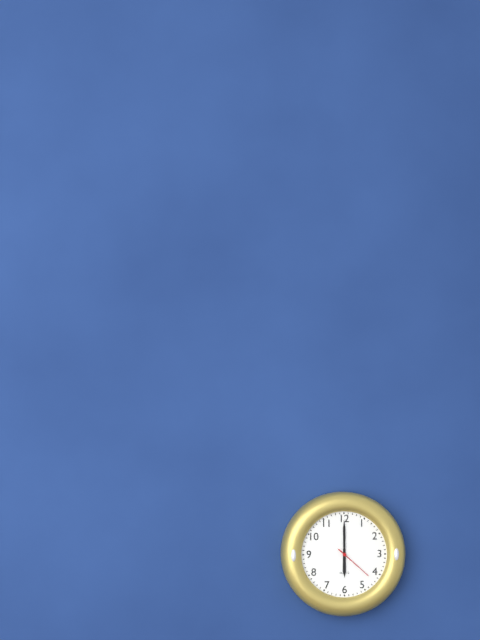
{"hour": 6, "minute": 0}
